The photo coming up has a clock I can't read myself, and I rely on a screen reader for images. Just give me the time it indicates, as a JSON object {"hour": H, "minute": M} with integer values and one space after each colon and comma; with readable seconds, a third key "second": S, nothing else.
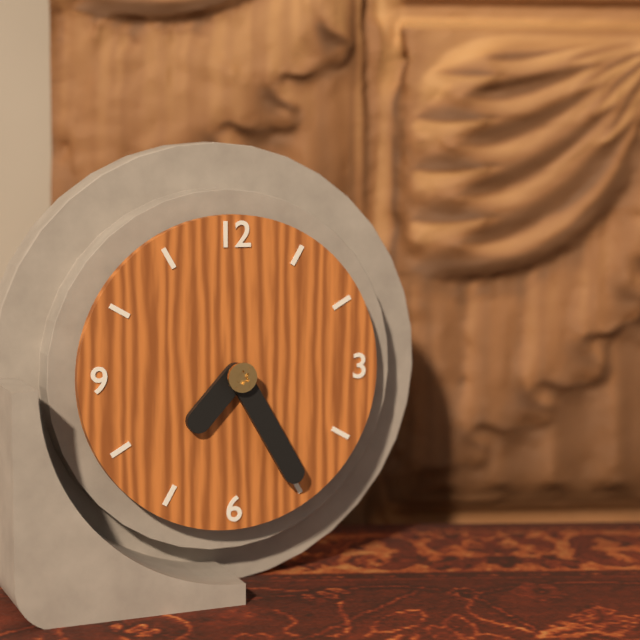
{"hour": 7, "minute": 25}
